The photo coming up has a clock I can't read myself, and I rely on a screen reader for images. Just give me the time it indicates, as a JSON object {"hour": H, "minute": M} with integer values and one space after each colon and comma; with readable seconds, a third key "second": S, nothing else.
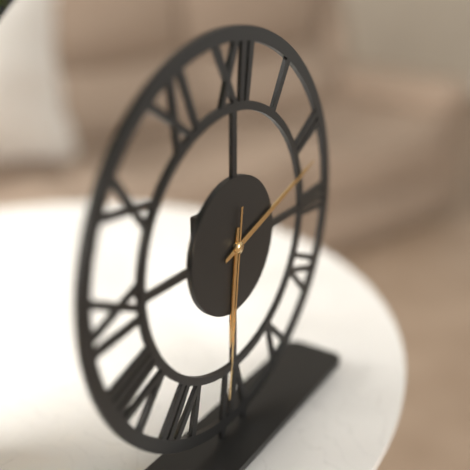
{"hour": 6, "minute": 12, "second": 31}
